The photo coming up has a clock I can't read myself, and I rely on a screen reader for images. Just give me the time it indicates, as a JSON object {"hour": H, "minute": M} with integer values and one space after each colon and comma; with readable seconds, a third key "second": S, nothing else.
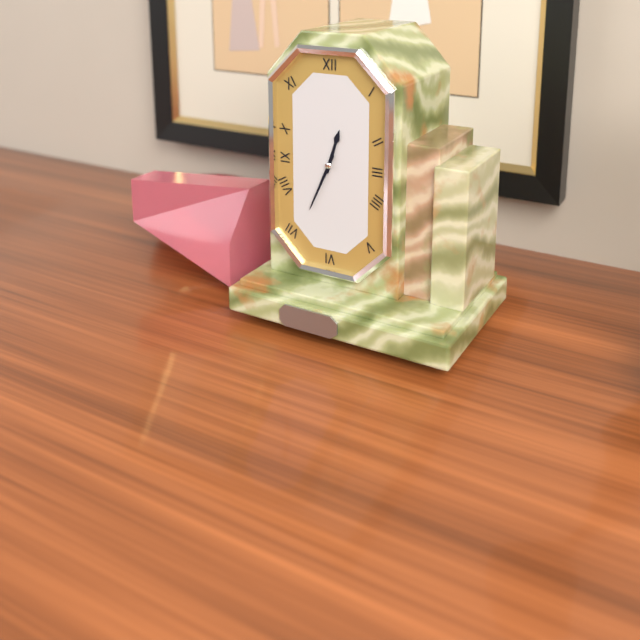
{"hour": 12, "minute": 34}
